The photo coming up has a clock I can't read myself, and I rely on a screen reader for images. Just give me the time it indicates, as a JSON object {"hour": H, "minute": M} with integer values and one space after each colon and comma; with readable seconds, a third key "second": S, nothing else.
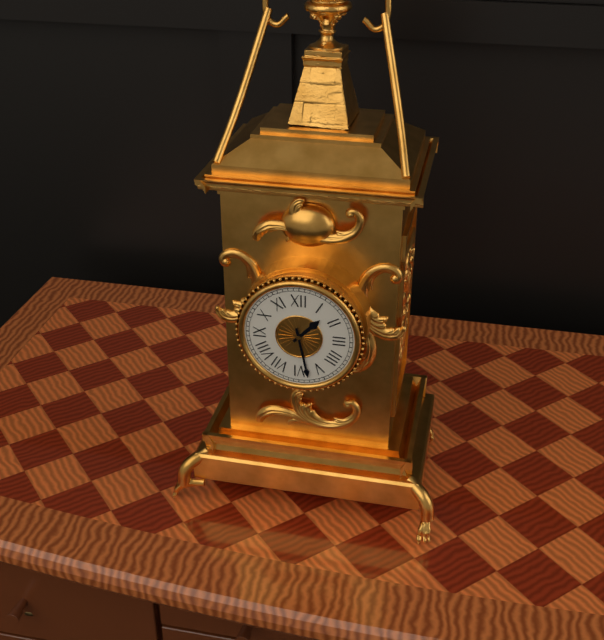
{"hour": 1, "minute": 28}
